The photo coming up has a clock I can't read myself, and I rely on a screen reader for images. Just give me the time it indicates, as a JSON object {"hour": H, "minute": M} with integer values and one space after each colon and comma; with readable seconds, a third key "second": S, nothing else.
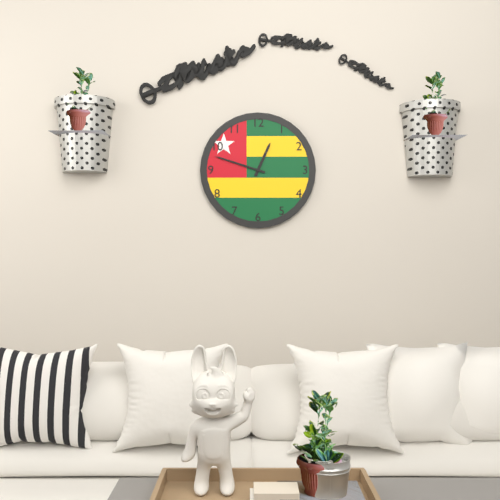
{"hour": 12, "minute": 48}
